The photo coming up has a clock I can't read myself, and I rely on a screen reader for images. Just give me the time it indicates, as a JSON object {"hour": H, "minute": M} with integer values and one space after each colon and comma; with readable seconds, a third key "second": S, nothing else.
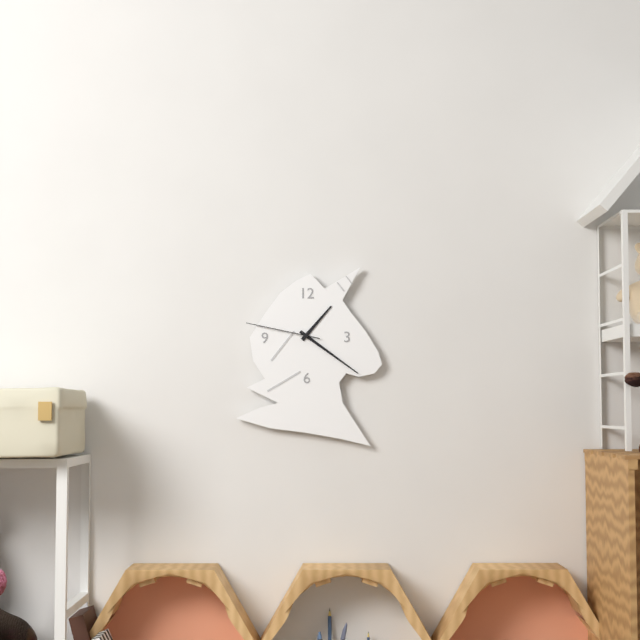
{"hour": 1, "minute": 21, "second": 47}
